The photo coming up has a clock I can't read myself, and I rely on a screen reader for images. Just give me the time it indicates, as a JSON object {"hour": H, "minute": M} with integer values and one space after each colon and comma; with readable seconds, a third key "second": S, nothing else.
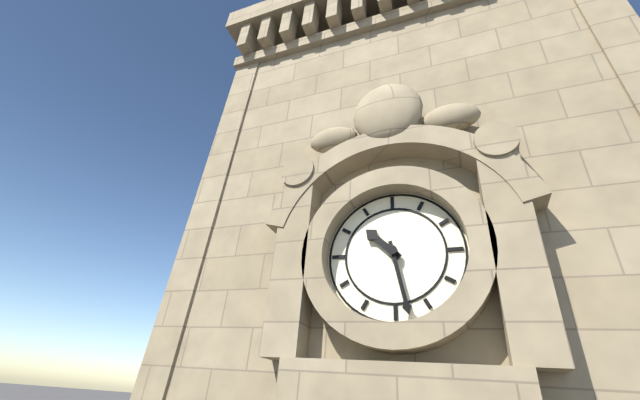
{"hour": 10, "minute": 28}
